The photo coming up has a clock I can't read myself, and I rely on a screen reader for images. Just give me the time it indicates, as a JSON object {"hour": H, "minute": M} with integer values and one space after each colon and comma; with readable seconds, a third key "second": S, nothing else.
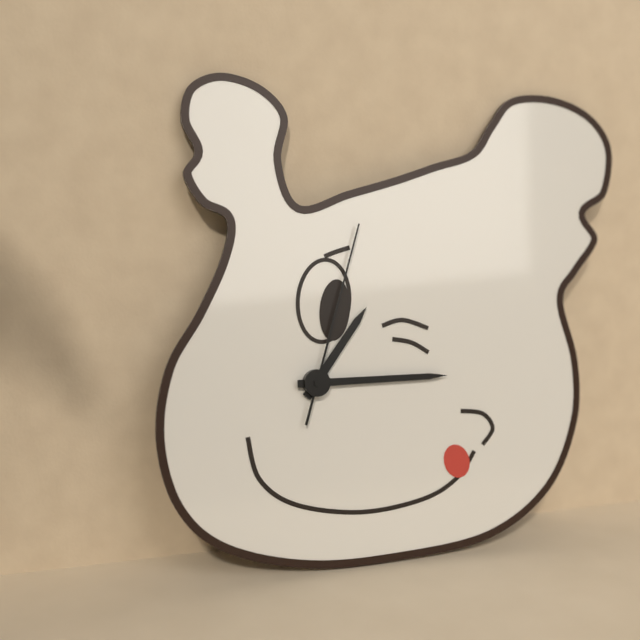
{"hour": 1, "minute": 15, "second": 3}
